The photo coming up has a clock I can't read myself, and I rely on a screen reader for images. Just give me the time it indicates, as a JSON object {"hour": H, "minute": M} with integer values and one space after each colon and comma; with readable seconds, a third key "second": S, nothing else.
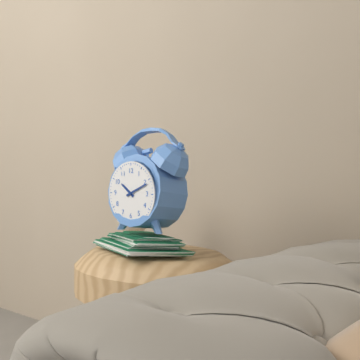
{"hour": 10, "minute": 11}
